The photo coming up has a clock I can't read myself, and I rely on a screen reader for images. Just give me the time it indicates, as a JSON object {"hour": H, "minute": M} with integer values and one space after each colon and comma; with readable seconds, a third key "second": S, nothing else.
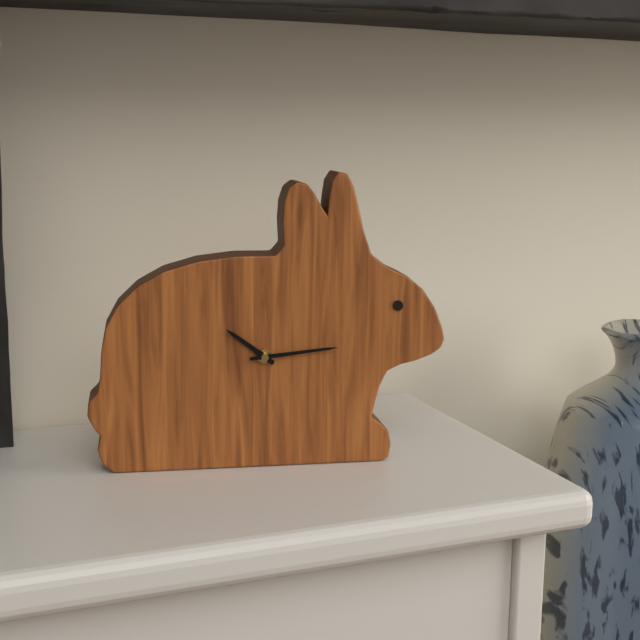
{"hour": 10, "minute": 14}
